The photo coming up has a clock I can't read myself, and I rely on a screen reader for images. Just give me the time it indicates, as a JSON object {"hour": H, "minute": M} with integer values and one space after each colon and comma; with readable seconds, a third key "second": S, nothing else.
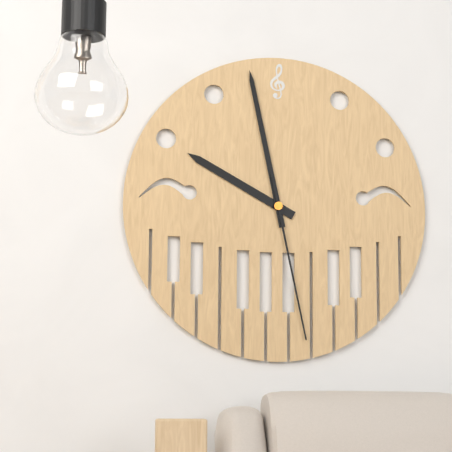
{"hour": 9, "minute": 58, "second": 28}
